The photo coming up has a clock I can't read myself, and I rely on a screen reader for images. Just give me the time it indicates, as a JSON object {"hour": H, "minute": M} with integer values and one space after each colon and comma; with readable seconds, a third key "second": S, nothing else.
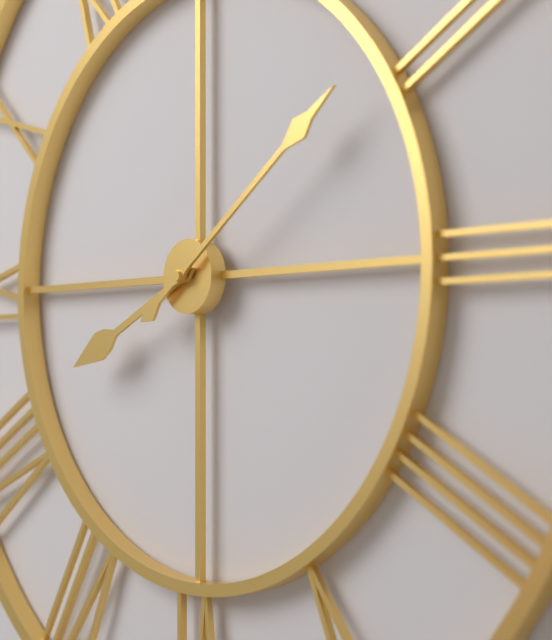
{"hour": 8, "minute": 9}
